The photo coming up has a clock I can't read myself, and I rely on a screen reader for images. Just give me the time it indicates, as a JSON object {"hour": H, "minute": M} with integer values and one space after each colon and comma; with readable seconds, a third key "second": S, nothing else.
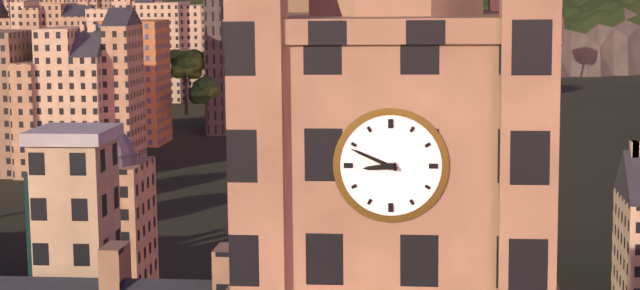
{"hour": 8, "minute": 49}
